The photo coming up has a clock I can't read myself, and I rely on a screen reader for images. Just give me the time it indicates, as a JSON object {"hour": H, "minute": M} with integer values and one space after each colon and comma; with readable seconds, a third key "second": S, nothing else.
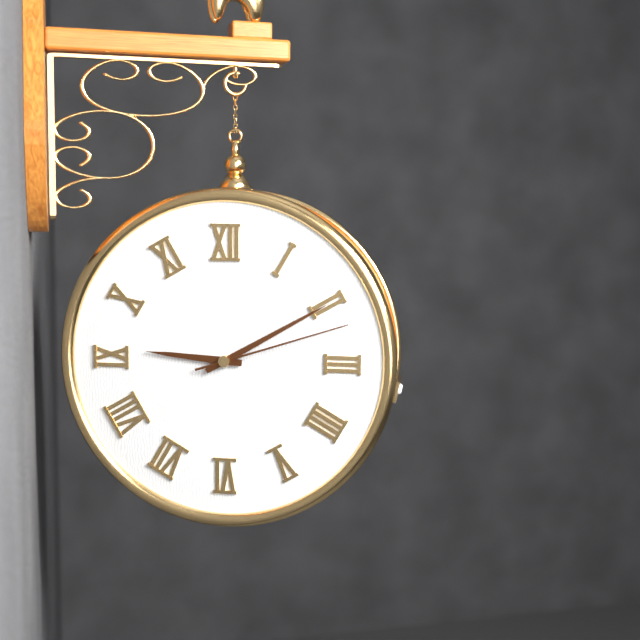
{"hour": 9, "minute": 10, "second": 12}
